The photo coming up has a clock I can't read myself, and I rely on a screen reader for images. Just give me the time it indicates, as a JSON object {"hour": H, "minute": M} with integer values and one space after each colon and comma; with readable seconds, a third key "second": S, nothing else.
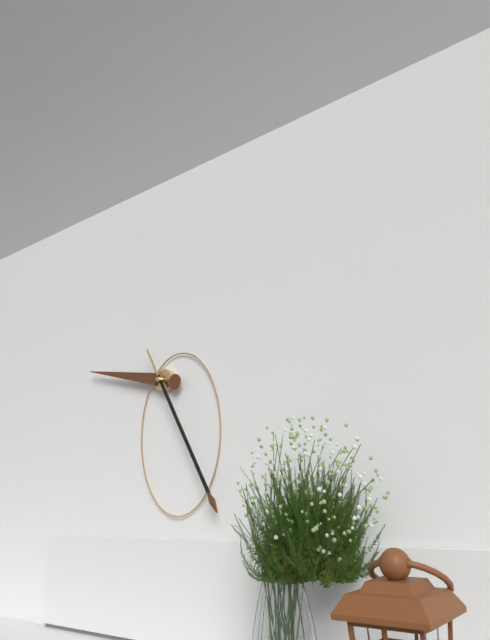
{"hour": 9, "minute": 25}
